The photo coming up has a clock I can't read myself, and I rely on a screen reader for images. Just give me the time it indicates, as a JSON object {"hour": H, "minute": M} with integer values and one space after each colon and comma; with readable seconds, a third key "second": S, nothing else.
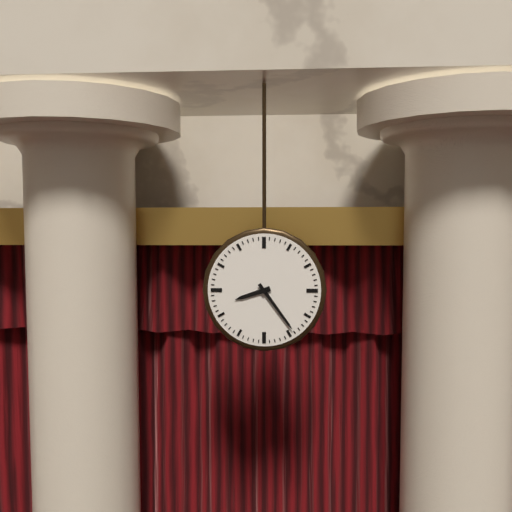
{"hour": 8, "minute": 24}
